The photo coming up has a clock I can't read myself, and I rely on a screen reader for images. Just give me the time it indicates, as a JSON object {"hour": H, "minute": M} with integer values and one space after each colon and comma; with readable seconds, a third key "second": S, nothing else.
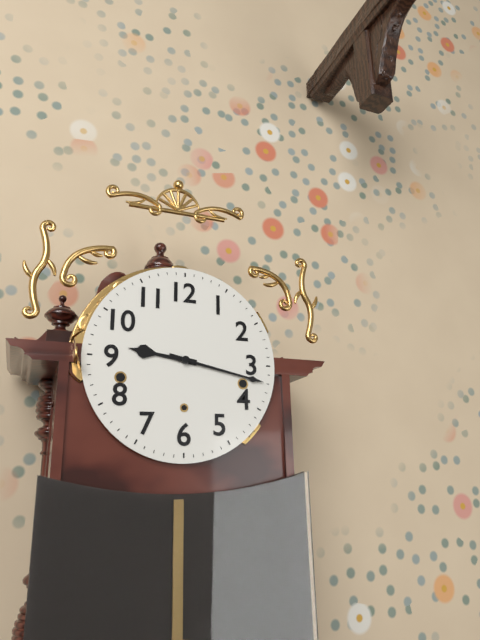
{"hour": 9, "minute": 17}
